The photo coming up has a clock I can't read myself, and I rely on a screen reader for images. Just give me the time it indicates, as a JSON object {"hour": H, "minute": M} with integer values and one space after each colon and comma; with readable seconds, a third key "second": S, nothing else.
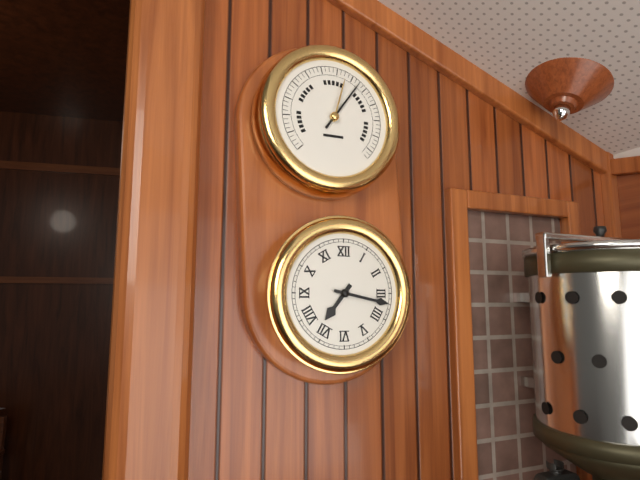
{"hour": 7, "minute": 17}
